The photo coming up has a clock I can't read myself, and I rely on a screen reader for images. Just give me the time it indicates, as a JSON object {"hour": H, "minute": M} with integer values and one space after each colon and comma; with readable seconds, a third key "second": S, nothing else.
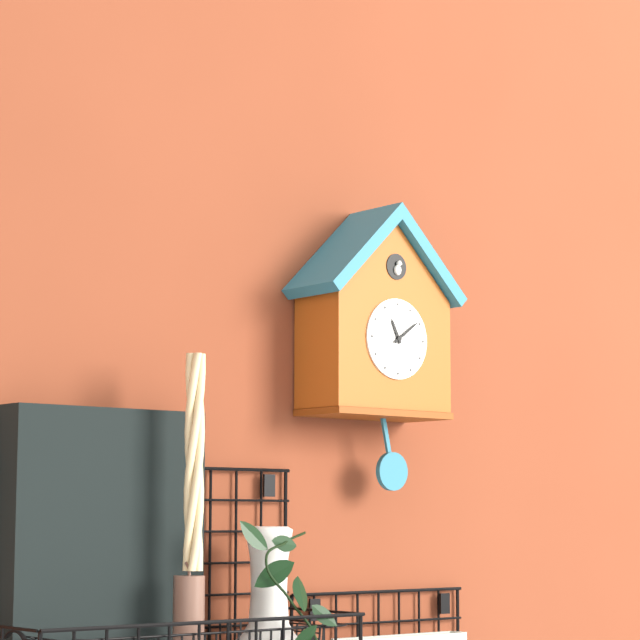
{"hour": 11, "minute": 9}
